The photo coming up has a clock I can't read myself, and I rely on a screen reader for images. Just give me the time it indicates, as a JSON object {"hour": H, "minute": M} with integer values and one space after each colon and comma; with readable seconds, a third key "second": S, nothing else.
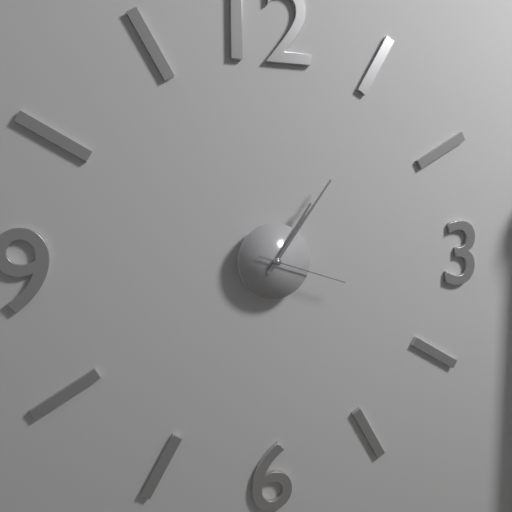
{"hour": 1, "minute": 6, "second": 18}
